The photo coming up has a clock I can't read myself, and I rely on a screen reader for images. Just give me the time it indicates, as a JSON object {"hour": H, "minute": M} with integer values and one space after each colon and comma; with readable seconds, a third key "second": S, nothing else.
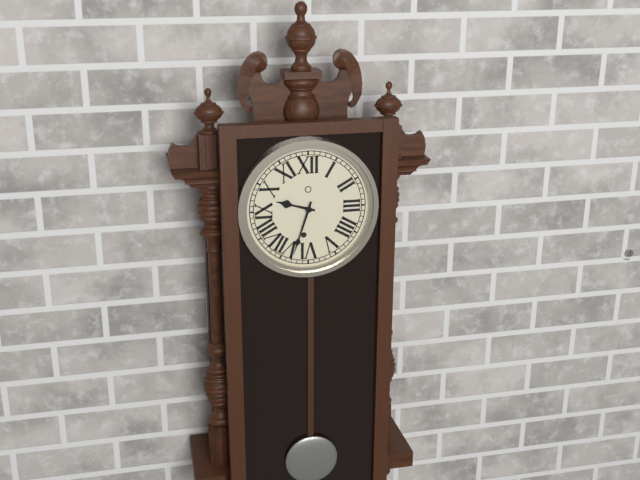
{"hour": 9, "minute": 33}
